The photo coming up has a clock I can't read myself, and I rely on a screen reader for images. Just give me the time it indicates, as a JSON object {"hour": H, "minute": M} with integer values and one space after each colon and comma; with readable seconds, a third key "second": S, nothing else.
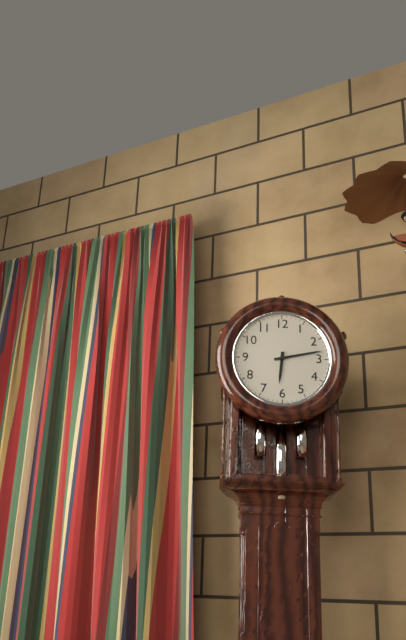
{"hour": 6, "minute": 13}
